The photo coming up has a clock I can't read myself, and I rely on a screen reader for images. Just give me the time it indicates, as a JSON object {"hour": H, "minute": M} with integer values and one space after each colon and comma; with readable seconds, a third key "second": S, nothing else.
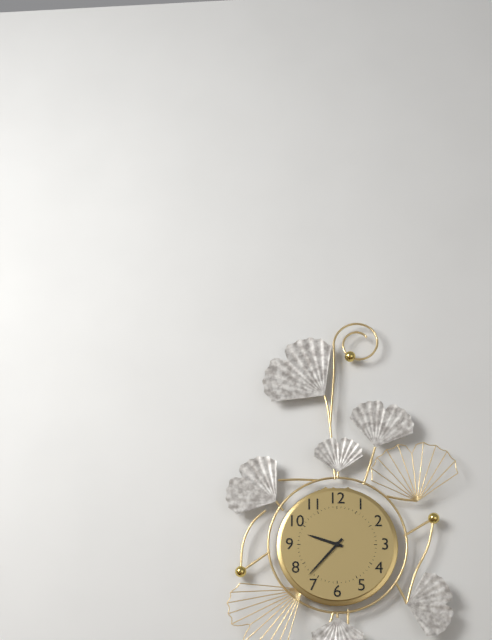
{"hour": 9, "minute": 37}
